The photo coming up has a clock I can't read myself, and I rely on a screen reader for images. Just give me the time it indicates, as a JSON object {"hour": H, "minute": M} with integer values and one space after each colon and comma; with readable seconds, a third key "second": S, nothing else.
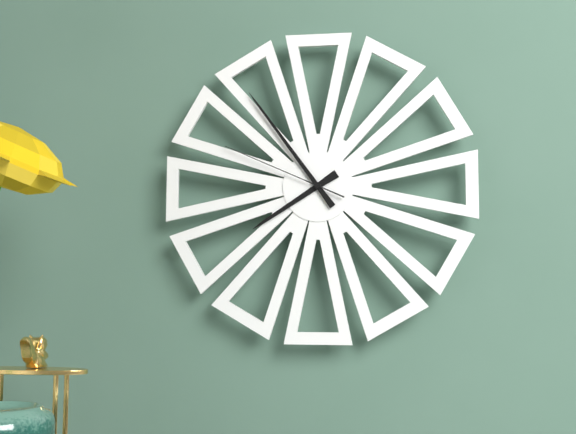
{"hour": 7, "minute": 54, "second": 49}
